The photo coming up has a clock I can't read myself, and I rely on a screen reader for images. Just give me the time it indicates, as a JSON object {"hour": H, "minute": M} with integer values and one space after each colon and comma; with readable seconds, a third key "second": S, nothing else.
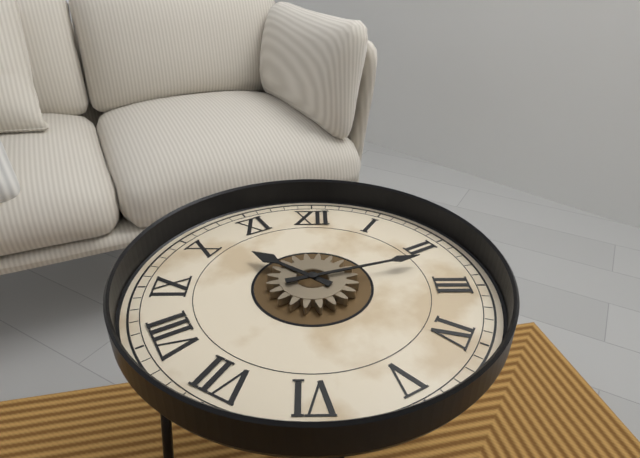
{"hour": 10, "minute": 12}
